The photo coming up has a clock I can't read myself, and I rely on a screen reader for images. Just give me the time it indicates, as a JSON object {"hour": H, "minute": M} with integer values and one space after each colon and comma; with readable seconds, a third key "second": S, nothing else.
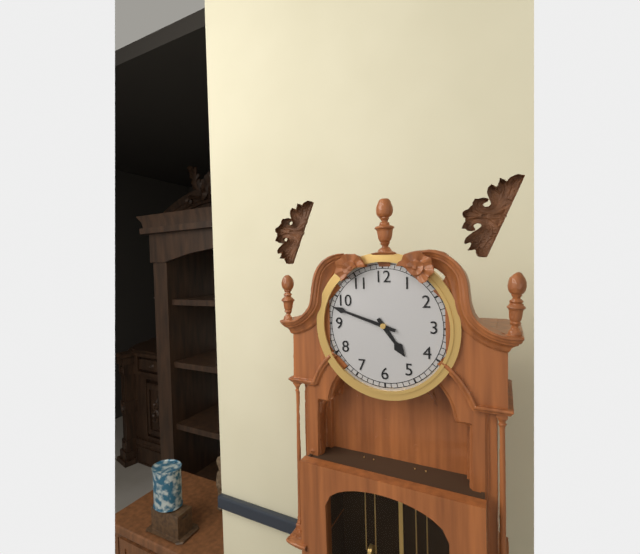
{"hour": 4, "minute": 48}
